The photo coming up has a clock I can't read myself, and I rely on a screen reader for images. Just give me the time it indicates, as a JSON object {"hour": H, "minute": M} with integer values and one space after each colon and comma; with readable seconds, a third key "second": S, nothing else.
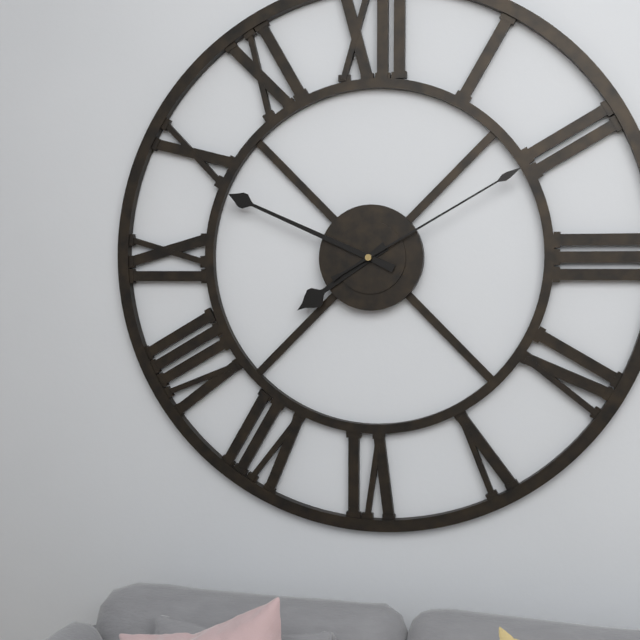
{"hour": 7, "minute": 49, "second": 10}
